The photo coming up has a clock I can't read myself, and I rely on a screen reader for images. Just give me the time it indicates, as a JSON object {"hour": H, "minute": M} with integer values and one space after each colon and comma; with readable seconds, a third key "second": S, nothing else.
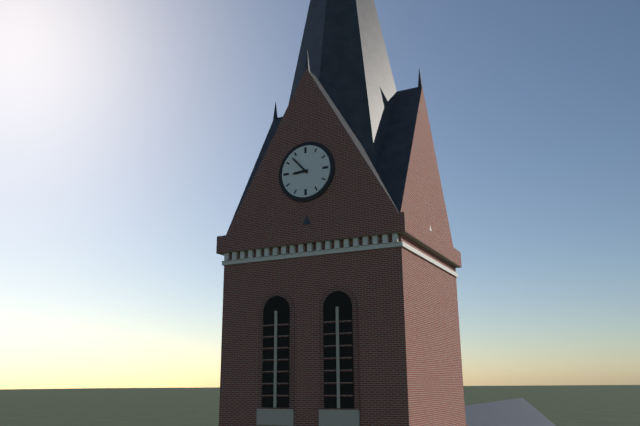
{"hour": 8, "minute": 53}
